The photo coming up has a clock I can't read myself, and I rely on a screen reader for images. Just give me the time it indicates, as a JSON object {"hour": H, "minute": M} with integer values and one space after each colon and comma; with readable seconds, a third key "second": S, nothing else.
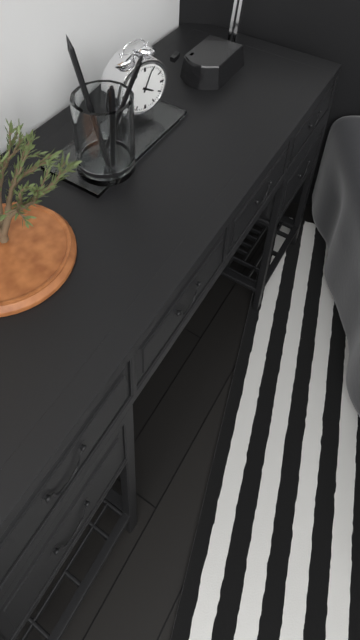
{"hour": 4, "minute": 4}
